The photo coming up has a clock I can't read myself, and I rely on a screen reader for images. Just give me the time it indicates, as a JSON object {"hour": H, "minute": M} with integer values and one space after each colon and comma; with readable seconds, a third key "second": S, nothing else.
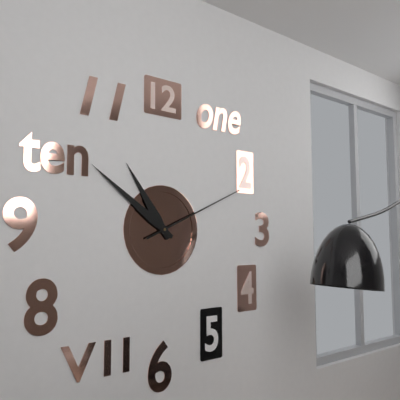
{"hour": 10, "minute": 51, "second": 11}
